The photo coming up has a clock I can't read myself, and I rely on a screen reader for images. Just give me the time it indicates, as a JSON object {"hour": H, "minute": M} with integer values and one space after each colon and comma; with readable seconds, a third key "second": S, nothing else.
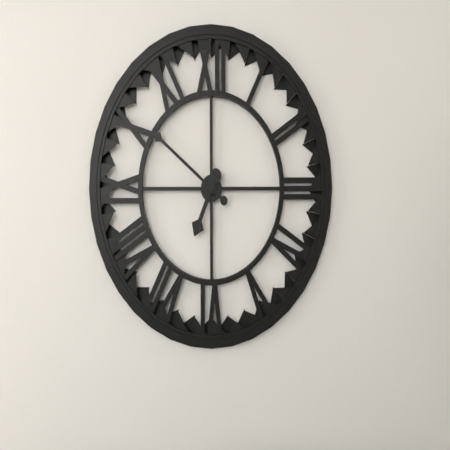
{"hour": 6, "minute": 51}
